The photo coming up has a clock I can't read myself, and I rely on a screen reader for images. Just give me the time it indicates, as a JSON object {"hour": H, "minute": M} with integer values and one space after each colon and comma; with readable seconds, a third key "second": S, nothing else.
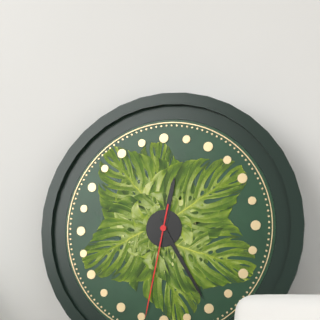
{"hour": 12, "minute": 25, "second": 32}
